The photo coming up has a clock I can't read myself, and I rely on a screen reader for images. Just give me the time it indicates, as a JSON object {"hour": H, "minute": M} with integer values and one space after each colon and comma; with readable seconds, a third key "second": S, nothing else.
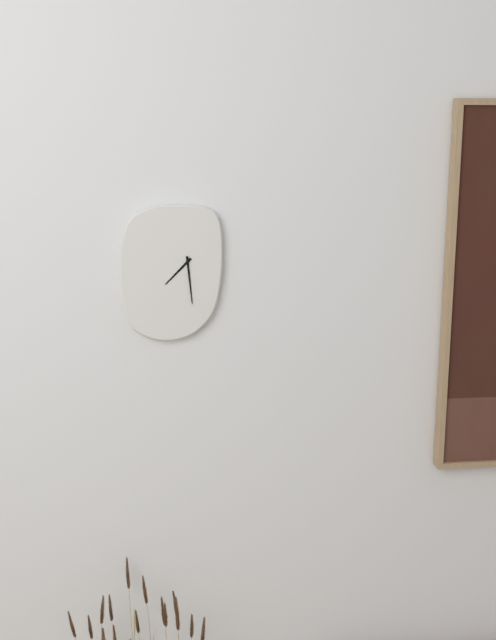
{"hour": 7, "minute": 29}
